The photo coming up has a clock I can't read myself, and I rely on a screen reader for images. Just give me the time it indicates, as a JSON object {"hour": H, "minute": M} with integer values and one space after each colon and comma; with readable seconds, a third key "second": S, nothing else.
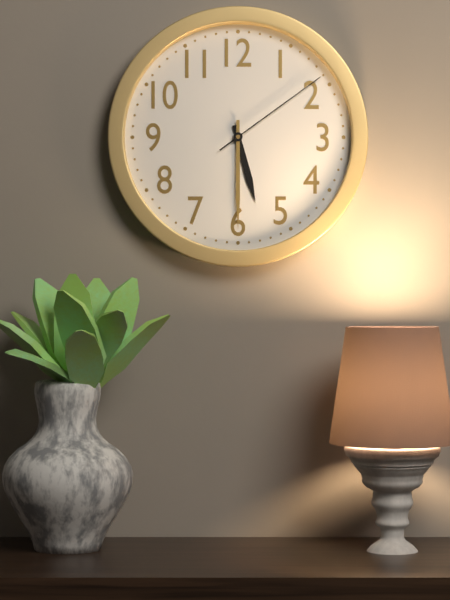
{"hour": 5, "minute": 30, "second": 9}
